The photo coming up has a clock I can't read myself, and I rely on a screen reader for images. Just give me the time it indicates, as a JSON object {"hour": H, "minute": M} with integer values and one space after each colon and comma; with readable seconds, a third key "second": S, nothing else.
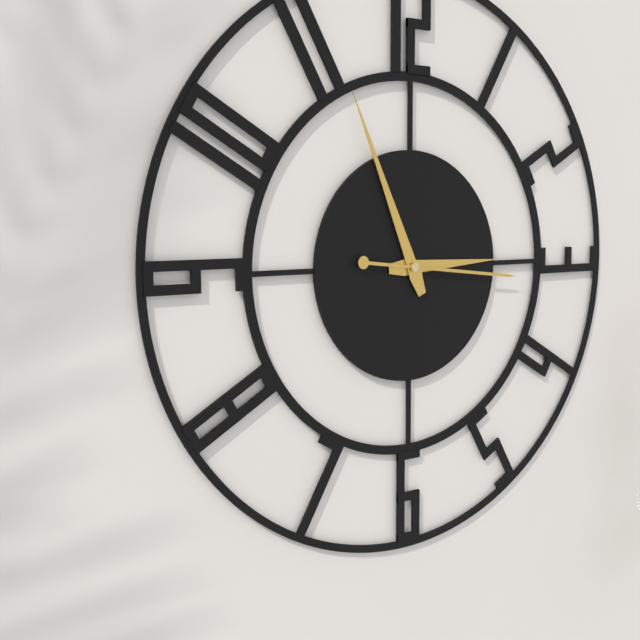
{"hour": 2, "minute": 56, "second": 16}
